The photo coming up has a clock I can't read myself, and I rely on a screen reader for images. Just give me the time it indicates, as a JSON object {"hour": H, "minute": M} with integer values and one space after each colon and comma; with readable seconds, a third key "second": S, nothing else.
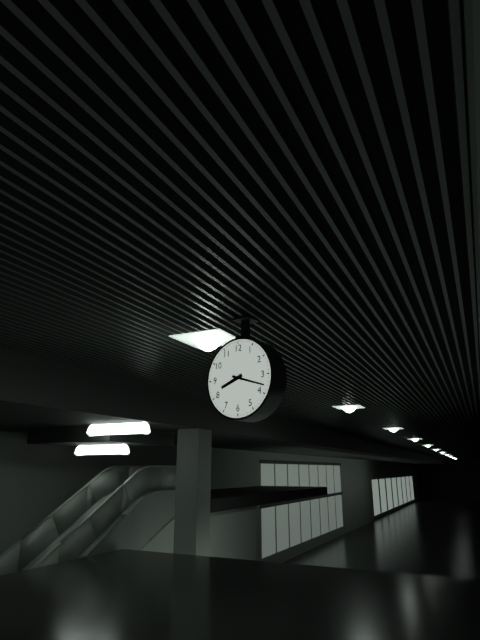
{"hour": 8, "minute": 18}
